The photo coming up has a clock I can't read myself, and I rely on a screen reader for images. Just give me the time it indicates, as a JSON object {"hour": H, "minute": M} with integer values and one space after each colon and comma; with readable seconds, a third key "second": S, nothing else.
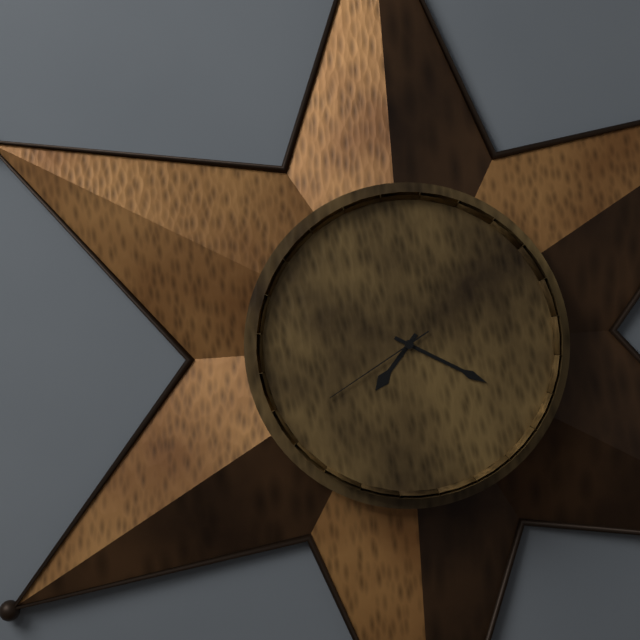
{"hour": 7, "minute": 20, "second": 40}
